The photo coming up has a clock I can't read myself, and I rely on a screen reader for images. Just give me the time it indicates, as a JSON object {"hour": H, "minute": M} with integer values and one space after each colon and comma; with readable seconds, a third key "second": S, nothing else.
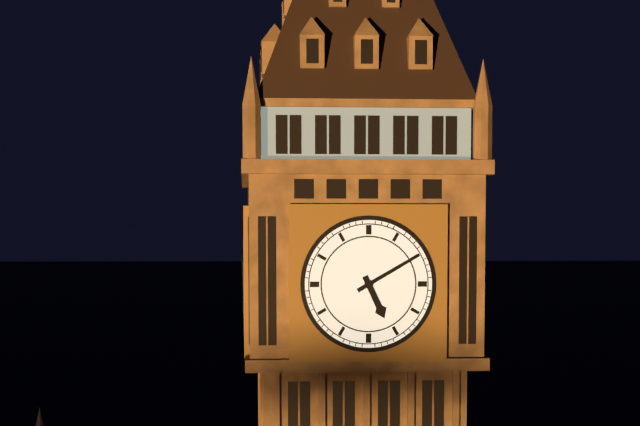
{"hour": 5, "minute": 10}
